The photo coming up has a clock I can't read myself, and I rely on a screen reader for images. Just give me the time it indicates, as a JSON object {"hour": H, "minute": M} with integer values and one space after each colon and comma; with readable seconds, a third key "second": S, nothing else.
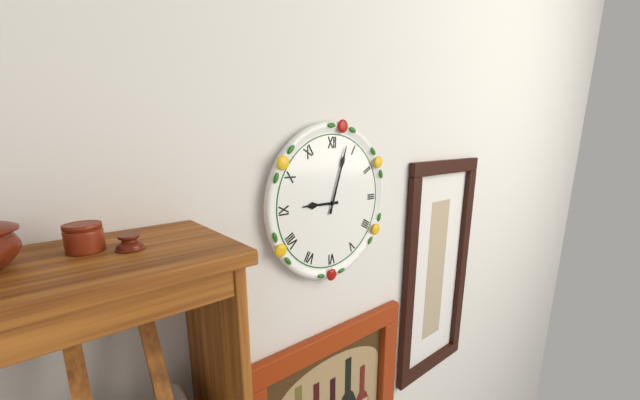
{"hour": 9, "minute": 3}
